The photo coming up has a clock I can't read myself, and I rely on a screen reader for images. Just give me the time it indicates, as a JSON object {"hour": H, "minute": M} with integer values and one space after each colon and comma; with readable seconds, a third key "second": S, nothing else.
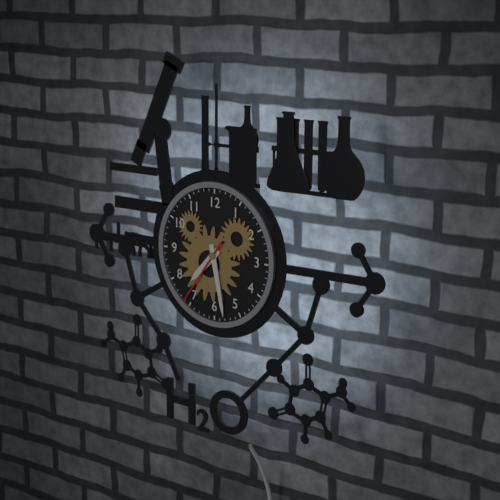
{"hour": 7, "minute": 28, "second": 36}
